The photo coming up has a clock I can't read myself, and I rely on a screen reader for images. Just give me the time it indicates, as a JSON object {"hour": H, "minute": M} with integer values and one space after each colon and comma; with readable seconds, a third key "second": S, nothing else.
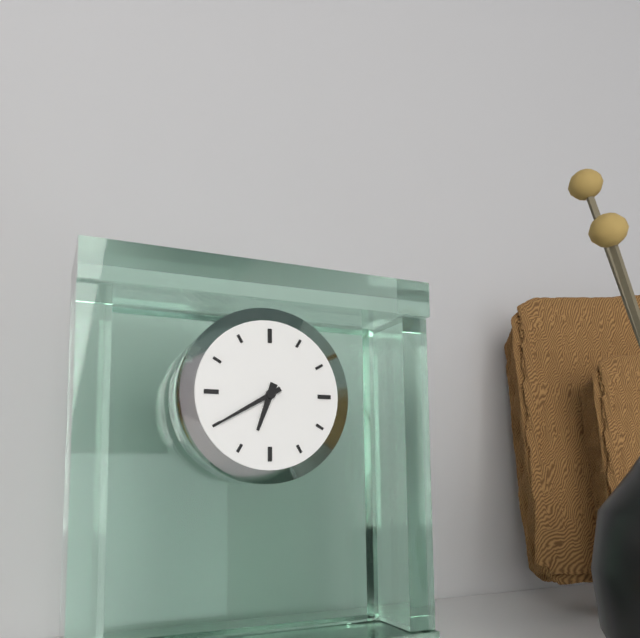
{"hour": 6, "minute": 40}
